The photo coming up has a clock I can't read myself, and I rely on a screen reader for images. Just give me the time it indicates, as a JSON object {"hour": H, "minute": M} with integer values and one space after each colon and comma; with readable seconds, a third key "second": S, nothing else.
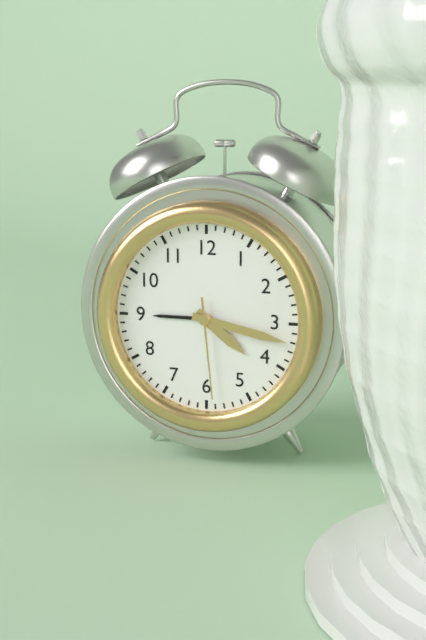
{"hour": 4, "minute": 17, "second": 29}
